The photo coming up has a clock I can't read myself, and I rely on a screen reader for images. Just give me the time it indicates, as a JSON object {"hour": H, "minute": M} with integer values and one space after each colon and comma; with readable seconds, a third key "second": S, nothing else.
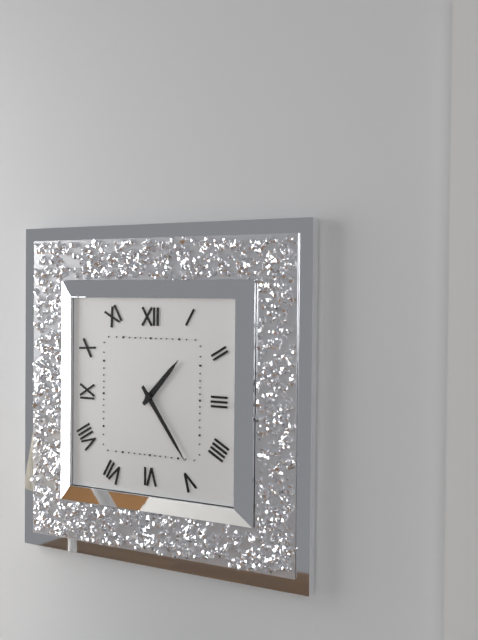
{"hour": 1, "minute": 24}
